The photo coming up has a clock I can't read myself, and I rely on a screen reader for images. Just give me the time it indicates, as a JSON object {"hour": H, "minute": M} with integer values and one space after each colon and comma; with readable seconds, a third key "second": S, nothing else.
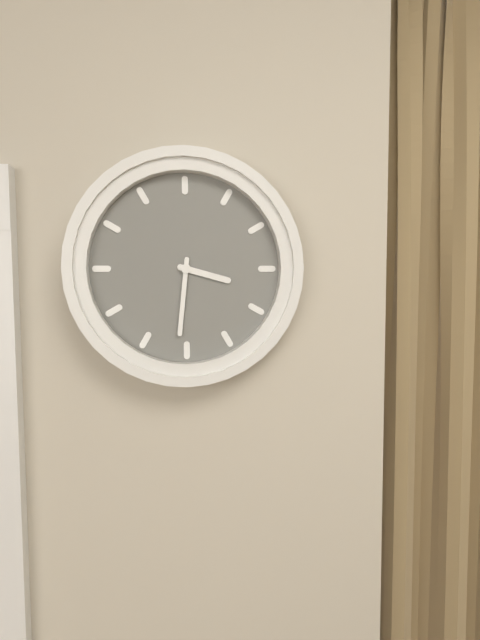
{"hour": 3, "minute": 31}
